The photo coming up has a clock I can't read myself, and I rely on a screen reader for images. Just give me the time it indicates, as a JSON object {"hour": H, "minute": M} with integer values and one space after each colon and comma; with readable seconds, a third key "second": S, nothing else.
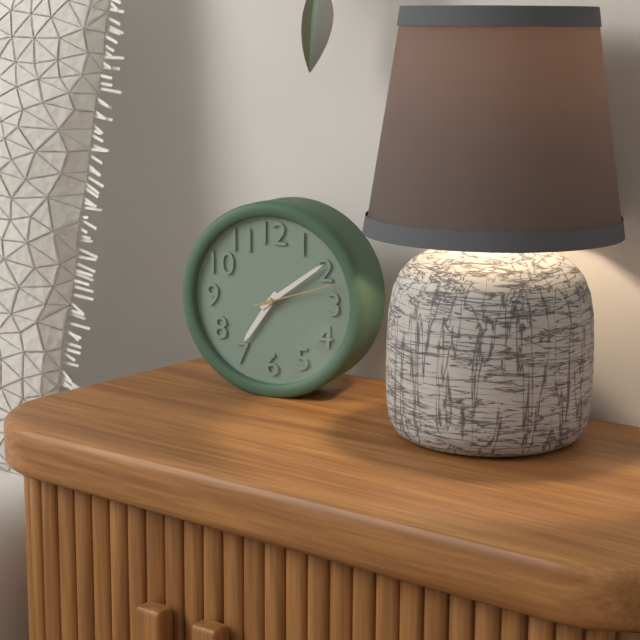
{"hour": 7, "minute": 9, "second": 12}
